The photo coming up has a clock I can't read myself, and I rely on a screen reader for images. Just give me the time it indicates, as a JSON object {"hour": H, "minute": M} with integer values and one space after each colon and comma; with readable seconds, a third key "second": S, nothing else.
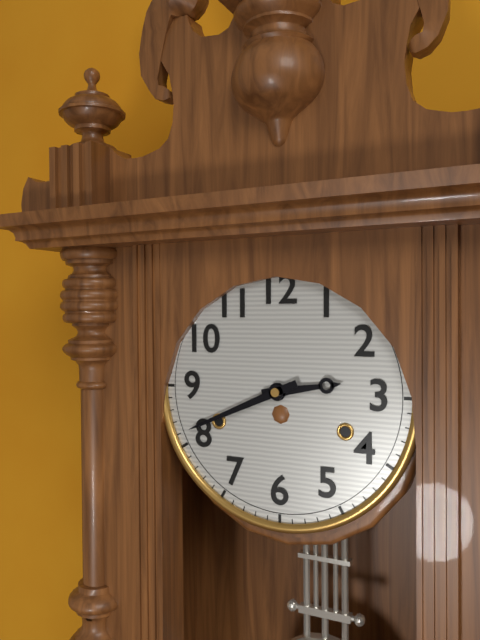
{"hour": 2, "minute": 41}
